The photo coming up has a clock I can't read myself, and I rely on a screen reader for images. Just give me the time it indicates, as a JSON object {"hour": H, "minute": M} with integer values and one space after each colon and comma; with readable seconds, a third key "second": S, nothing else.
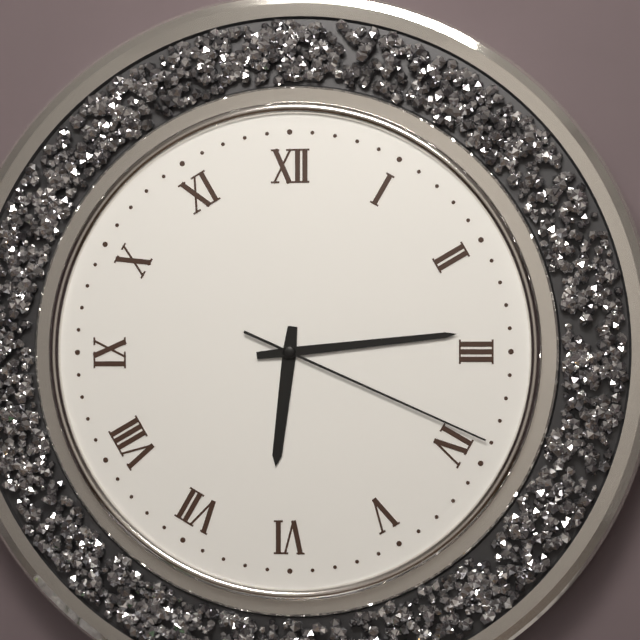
{"hour": 6, "minute": 14, "second": 19}
